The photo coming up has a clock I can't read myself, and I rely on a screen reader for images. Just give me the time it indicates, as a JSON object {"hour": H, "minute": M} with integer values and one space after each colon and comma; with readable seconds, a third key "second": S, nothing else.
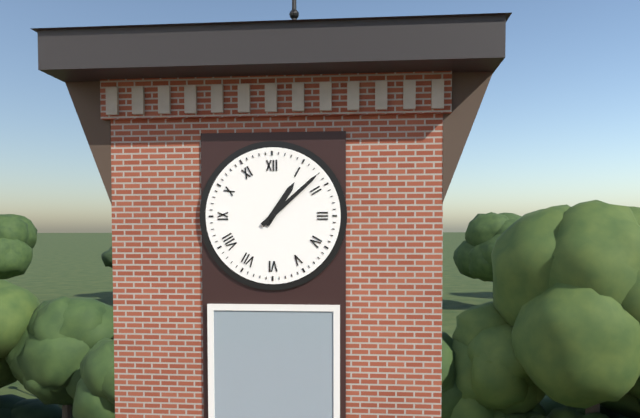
{"hour": 1, "minute": 8}
